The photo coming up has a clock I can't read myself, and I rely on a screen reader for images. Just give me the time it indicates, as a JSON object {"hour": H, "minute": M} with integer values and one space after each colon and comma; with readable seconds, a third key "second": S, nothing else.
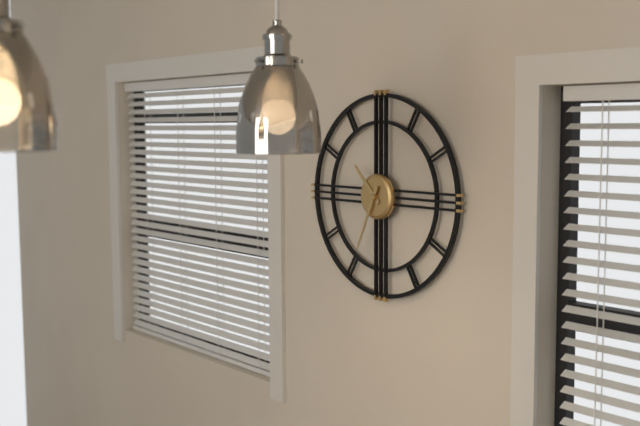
{"hour": 10, "minute": 34}
